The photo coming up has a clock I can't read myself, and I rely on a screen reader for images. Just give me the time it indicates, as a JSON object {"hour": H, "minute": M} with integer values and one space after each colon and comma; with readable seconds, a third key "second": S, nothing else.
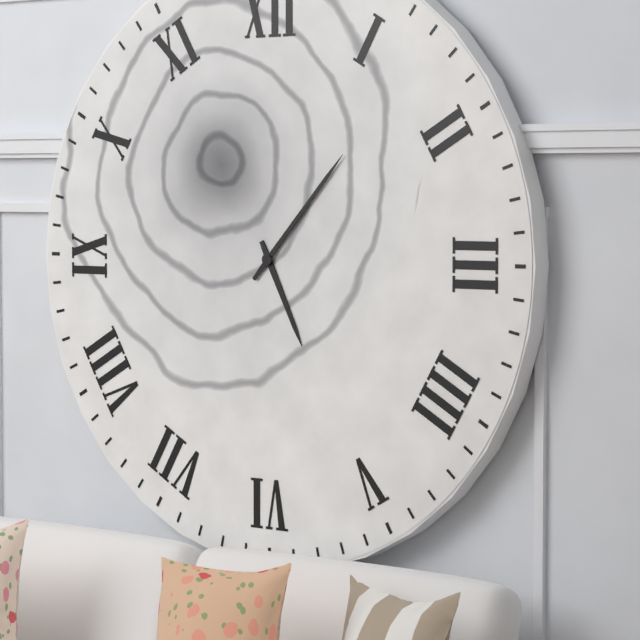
{"hour": 5, "minute": 7}
